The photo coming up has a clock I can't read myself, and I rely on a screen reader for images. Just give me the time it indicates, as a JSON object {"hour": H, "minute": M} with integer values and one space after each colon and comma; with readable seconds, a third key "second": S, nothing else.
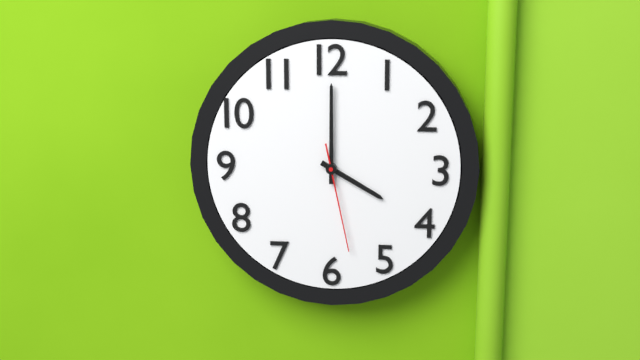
{"hour": 4, "minute": 0, "second": 28}
